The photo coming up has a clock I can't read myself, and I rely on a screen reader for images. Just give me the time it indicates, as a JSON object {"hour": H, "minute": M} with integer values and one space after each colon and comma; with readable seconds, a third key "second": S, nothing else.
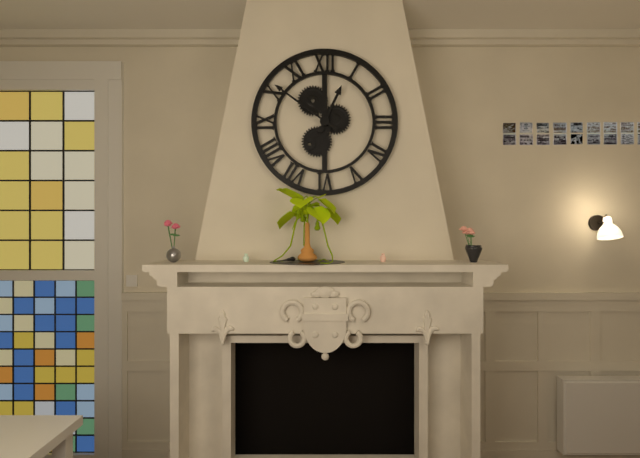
{"hour": 12, "minute": 51}
